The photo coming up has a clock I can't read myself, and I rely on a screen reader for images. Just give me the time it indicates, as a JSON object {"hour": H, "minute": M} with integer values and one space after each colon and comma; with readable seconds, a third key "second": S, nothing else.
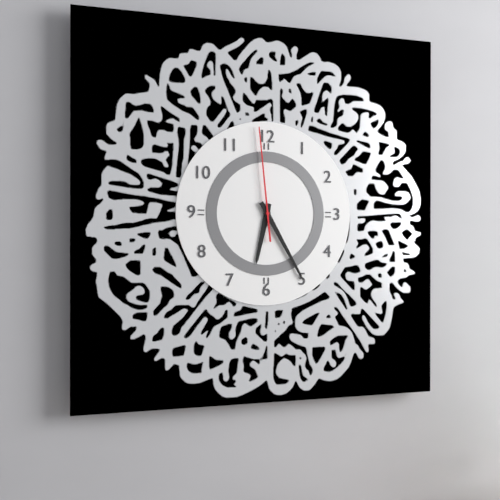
{"hour": 6, "minute": 25, "second": 59}
